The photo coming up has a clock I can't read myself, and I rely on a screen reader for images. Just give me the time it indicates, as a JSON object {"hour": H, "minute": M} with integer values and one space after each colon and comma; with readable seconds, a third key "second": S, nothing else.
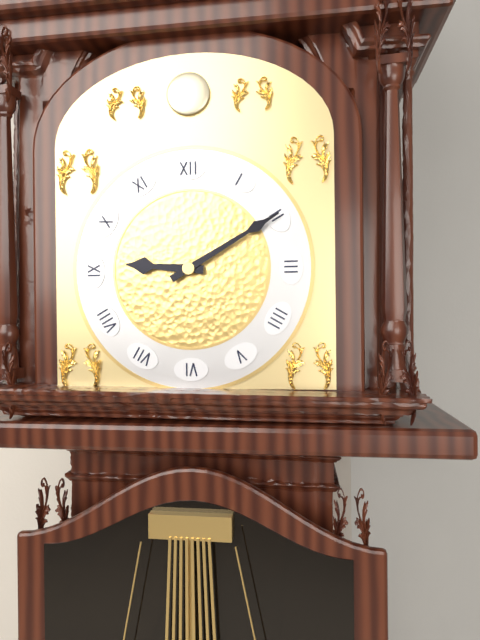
{"hour": 9, "minute": 10}
